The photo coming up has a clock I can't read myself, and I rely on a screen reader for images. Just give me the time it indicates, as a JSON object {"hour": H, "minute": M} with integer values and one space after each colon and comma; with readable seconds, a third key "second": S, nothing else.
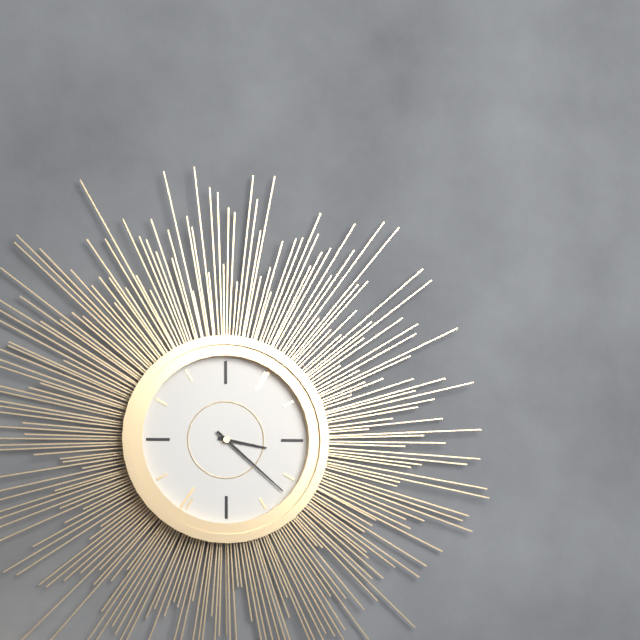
{"hour": 3, "minute": 22}
